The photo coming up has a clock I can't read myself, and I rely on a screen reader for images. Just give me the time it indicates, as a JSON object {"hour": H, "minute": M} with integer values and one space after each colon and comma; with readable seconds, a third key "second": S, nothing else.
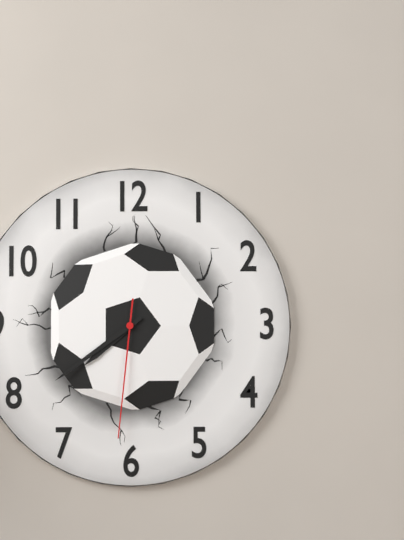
{"hour": 7, "minute": 39, "second": 31}
